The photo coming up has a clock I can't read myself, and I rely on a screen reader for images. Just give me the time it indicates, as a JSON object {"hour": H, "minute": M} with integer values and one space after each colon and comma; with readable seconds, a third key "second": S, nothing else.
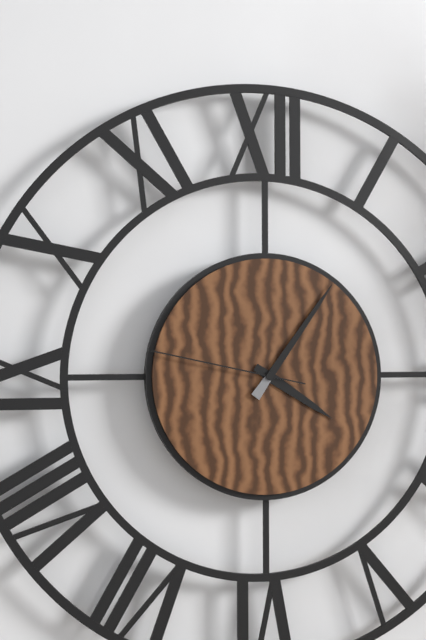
{"hour": 4, "minute": 6, "second": 47}
